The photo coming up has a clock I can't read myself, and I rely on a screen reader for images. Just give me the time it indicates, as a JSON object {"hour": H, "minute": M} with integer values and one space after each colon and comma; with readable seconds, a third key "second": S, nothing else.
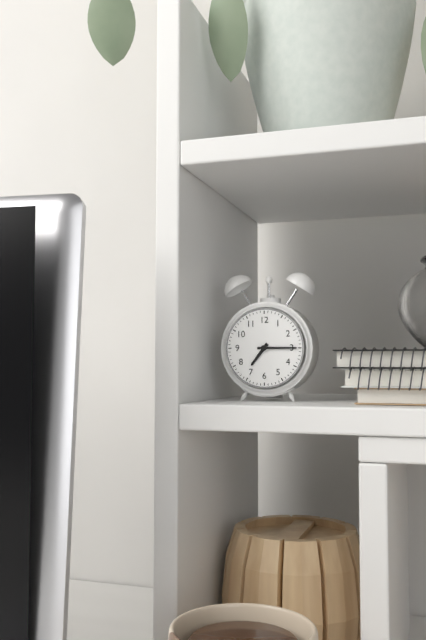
{"hour": 7, "minute": 15}
